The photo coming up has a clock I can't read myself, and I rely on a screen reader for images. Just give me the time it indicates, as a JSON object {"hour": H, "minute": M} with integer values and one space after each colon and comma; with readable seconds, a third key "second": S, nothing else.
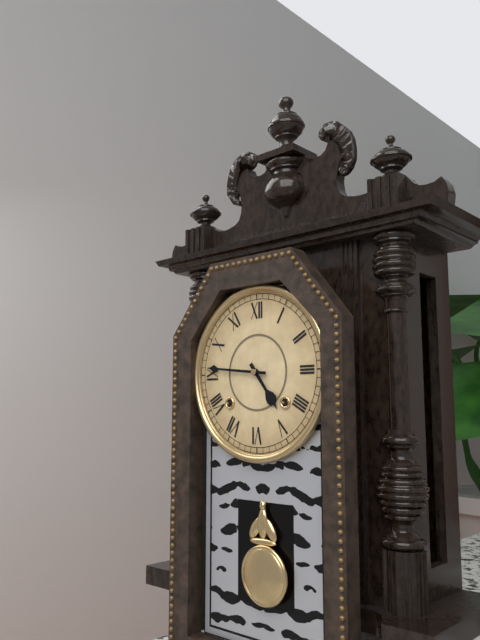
{"hour": 4, "minute": 46}
